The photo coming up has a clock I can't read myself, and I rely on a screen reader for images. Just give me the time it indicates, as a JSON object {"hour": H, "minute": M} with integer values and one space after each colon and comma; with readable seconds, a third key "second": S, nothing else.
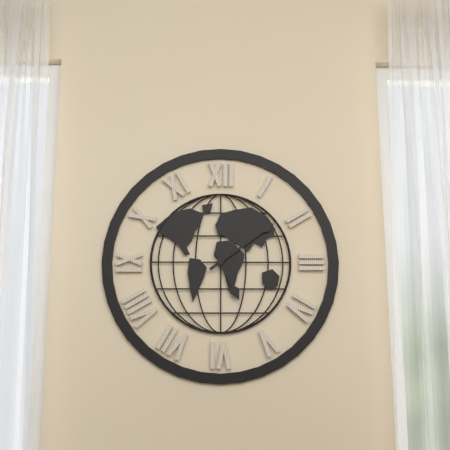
{"hour": 5, "minute": 9}
